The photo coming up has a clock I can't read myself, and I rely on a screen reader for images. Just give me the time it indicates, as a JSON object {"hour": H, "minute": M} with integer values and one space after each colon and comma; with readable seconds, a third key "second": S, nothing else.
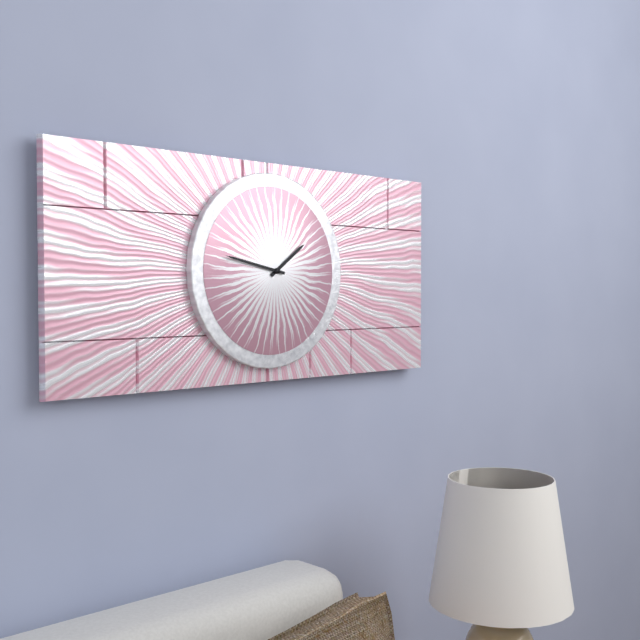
{"hour": 1, "minute": 47}
